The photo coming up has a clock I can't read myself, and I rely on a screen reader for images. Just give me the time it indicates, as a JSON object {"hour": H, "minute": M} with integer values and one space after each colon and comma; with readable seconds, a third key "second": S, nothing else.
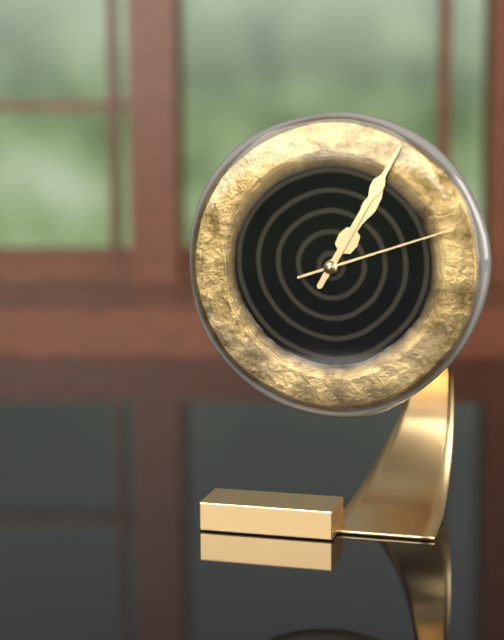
{"hour": 1, "minute": 5, "second": 12}
